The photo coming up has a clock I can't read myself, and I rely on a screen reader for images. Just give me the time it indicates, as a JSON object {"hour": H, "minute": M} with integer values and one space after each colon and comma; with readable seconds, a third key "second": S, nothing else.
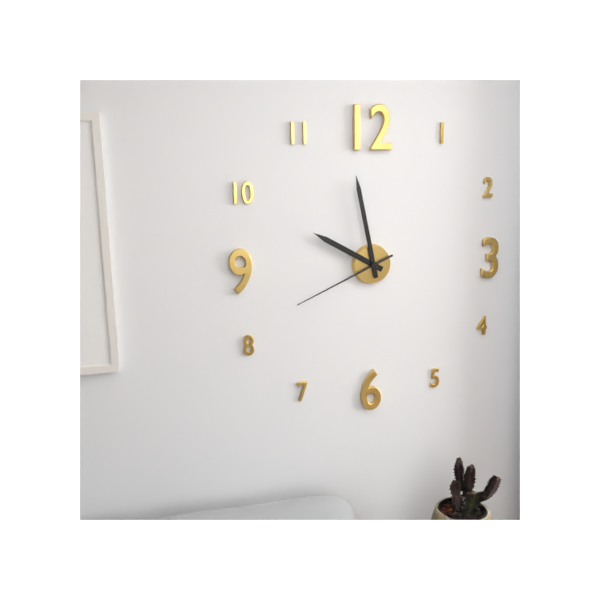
{"hour": 9, "minute": 58, "second": 41}
